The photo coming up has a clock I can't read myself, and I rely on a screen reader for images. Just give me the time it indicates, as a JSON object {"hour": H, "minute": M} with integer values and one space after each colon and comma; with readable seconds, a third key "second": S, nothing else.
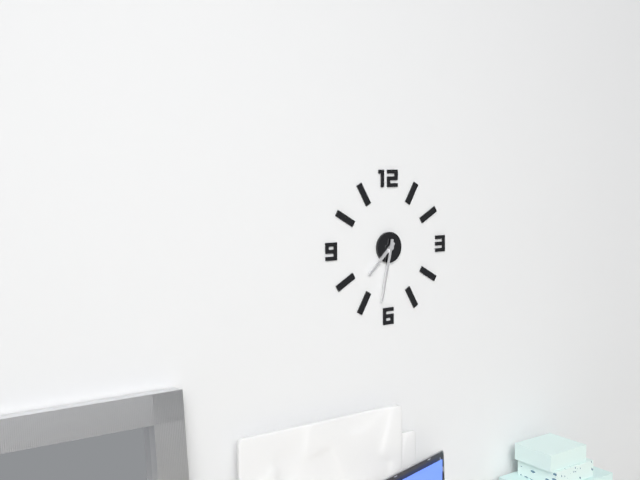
{"hour": 7, "minute": 32}
